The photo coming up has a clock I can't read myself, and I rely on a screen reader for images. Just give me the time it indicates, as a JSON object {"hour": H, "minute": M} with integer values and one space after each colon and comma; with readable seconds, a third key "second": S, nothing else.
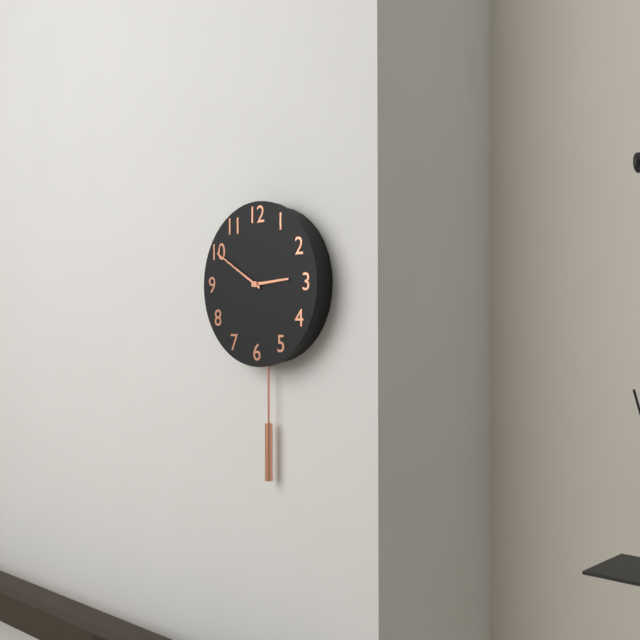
{"hour": 2, "minute": 50}
